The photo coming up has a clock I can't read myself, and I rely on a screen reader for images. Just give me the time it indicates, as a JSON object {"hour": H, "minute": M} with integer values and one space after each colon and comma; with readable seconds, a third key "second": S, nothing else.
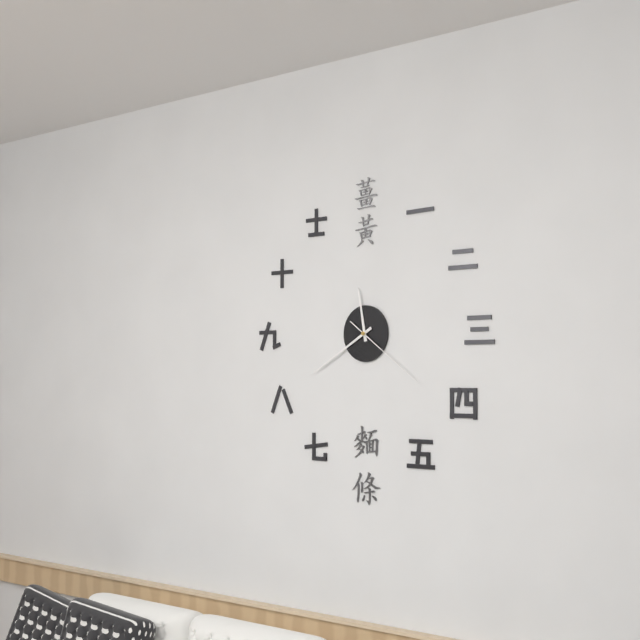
{"hour": 11, "minute": 40, "second": 21}
